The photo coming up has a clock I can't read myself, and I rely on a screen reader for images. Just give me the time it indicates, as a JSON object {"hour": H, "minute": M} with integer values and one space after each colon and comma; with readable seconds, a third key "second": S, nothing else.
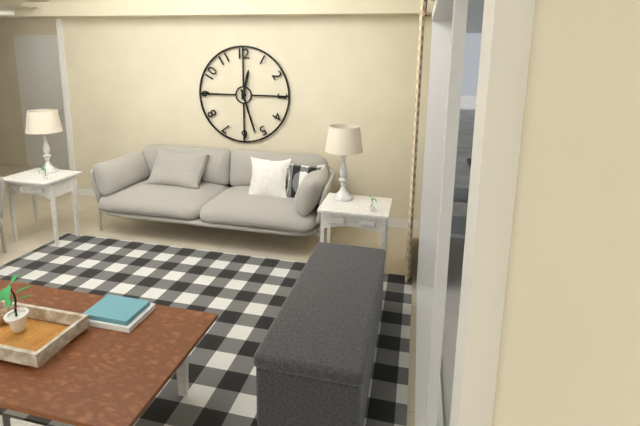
{"hour": 12, "minute": 27}
